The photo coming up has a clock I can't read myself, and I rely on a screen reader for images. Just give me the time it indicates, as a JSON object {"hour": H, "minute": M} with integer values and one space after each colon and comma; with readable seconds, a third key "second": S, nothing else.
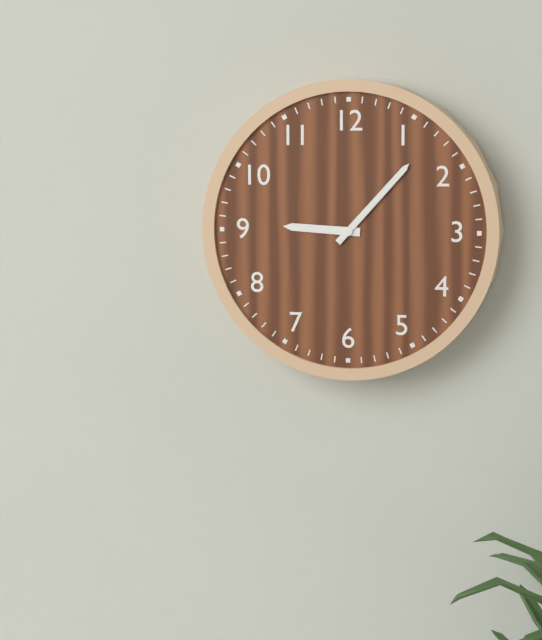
{"hour": 9, "minute": 7}
